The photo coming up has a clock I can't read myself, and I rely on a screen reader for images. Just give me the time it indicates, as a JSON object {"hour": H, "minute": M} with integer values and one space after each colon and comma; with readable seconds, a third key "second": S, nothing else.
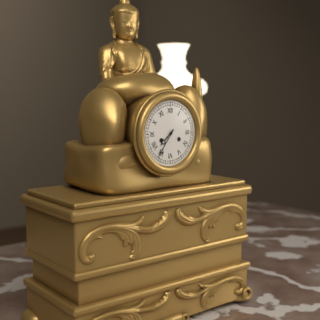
{"hour": 7, "minute": 36}
